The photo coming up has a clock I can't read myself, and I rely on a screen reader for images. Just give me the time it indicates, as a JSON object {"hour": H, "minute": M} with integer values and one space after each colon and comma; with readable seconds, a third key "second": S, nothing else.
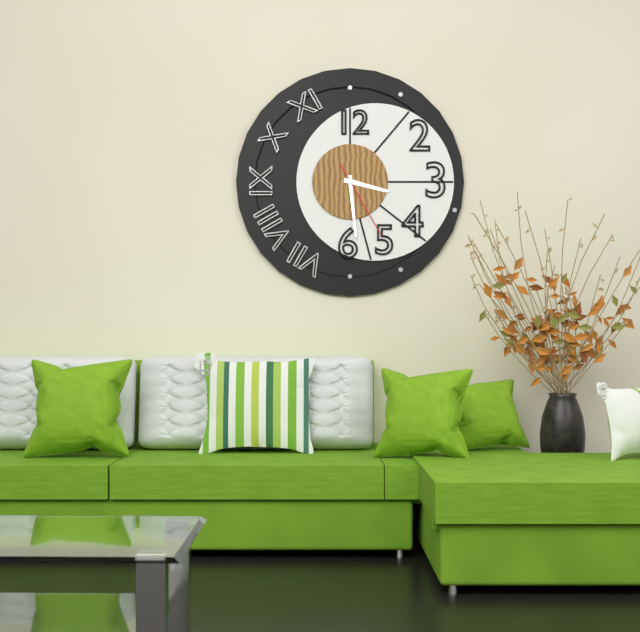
{"hour": 3, "minute": 29, "second": 25}
